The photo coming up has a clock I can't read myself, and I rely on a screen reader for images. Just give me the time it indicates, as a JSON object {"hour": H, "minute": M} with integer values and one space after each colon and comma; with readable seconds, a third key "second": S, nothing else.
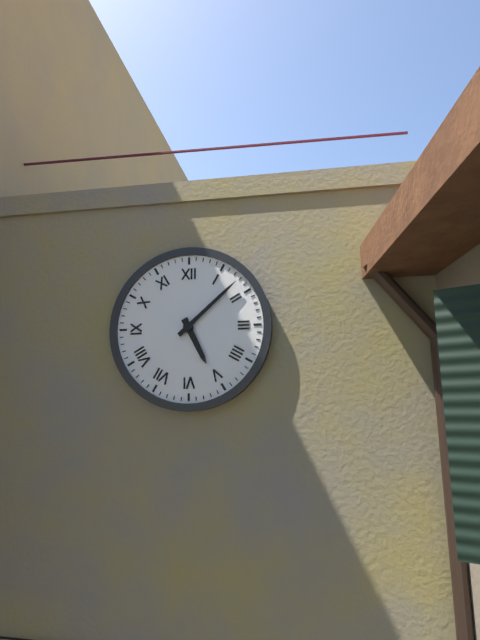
{"hour": 5, "minute": 8}
